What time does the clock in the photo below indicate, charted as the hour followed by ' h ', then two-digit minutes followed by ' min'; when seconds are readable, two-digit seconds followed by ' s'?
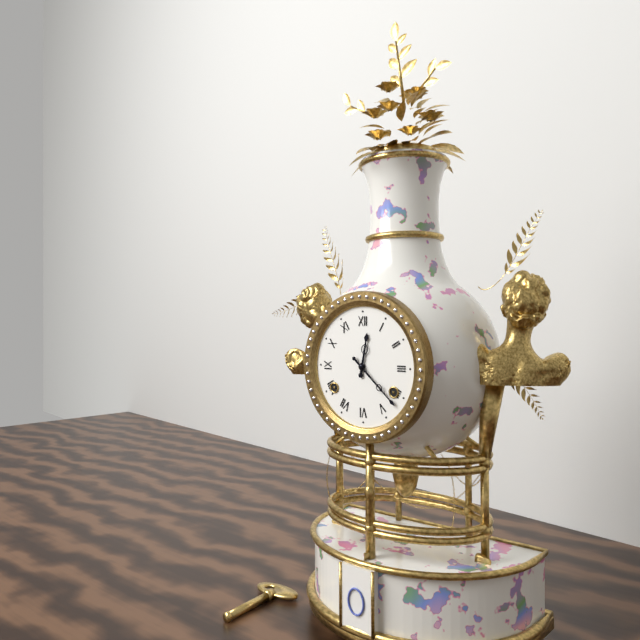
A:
12 h 22 min
